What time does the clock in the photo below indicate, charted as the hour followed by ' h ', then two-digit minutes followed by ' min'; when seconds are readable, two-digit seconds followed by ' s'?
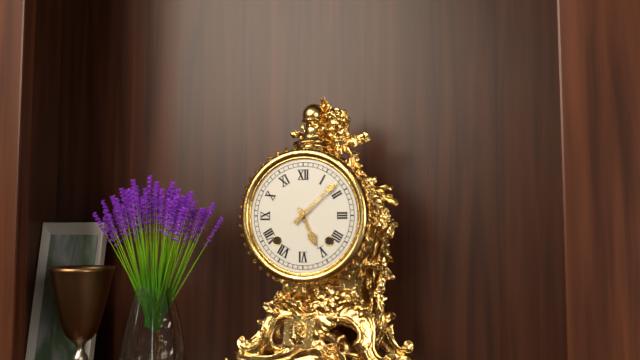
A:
5 h 08 min
